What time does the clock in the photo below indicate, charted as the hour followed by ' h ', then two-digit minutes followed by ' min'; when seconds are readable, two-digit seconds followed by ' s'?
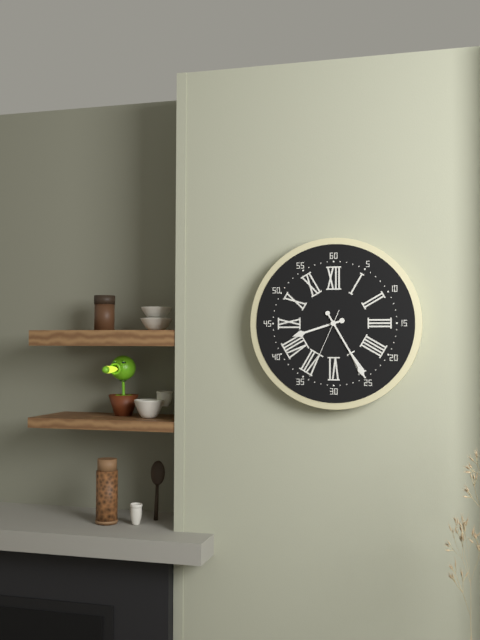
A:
8 h 25 min 34 s
